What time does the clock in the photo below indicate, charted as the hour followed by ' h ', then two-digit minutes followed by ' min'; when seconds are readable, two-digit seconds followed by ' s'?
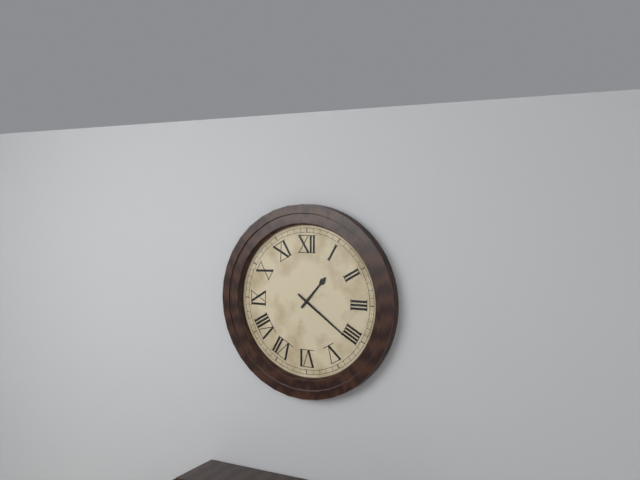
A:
1 h 21 min
